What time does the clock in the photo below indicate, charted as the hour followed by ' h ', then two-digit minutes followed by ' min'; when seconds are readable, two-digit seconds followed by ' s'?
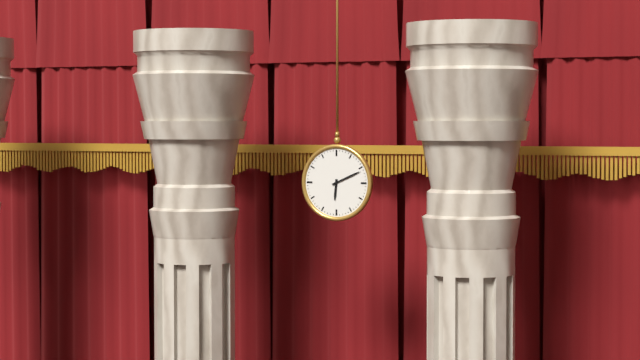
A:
6 h 11 min
